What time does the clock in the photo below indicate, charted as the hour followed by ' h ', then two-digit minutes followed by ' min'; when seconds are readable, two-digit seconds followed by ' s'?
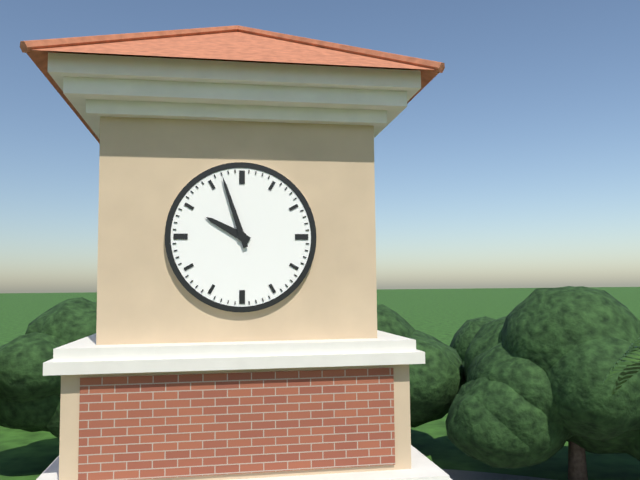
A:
9 h 57 min
